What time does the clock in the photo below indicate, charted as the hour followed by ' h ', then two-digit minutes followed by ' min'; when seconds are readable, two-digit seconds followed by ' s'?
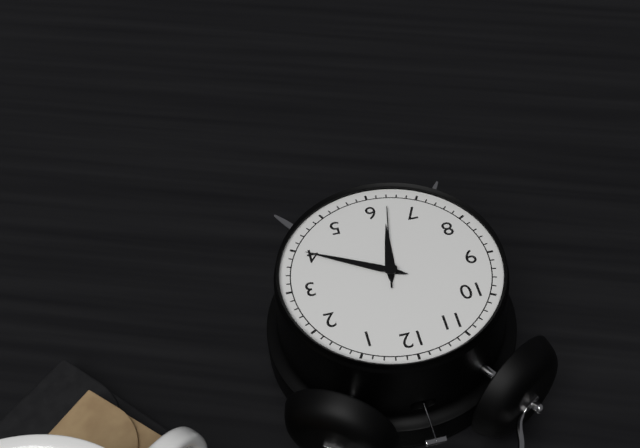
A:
6 h 20 min 32 s
